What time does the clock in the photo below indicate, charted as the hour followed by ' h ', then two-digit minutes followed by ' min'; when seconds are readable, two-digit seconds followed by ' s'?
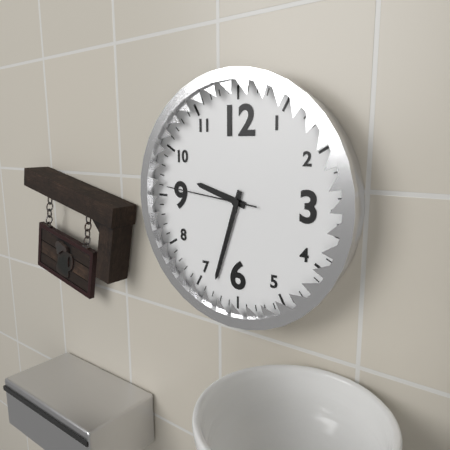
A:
9 h 33 min 46 s
